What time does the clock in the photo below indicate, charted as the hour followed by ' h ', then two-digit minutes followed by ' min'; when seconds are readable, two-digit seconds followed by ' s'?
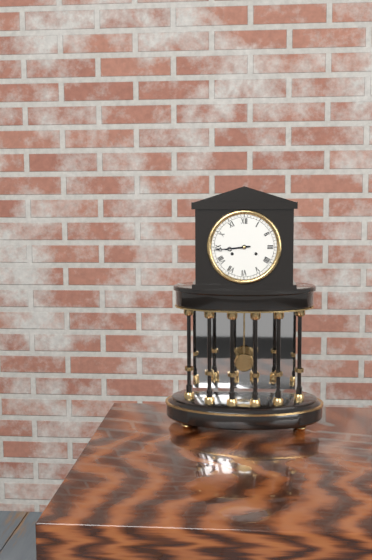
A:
8 h 44 min
